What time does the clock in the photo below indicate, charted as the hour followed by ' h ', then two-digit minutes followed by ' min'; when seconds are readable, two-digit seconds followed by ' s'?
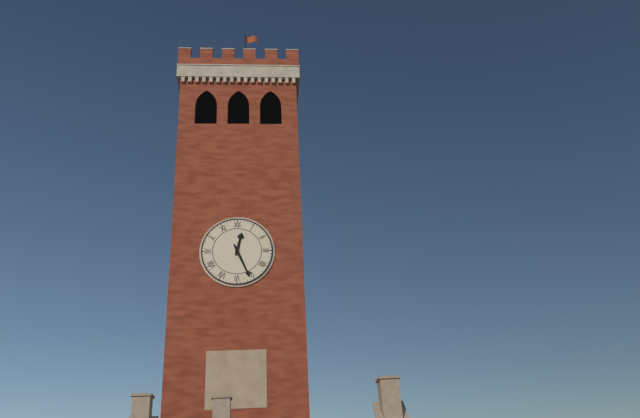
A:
12 h 26 min
